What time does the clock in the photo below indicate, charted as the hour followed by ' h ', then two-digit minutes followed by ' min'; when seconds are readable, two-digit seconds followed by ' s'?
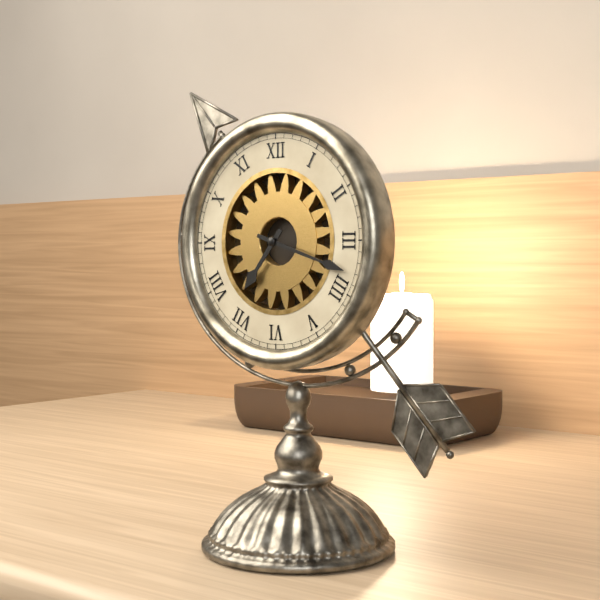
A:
7 h 18 min
